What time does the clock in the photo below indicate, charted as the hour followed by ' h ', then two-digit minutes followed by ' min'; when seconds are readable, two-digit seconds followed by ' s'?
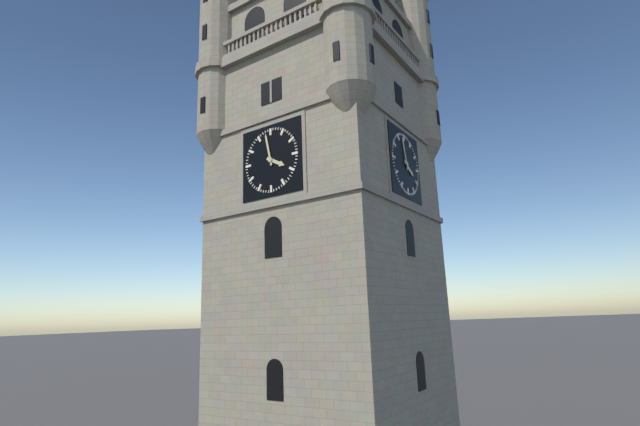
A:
3 h 58 min
